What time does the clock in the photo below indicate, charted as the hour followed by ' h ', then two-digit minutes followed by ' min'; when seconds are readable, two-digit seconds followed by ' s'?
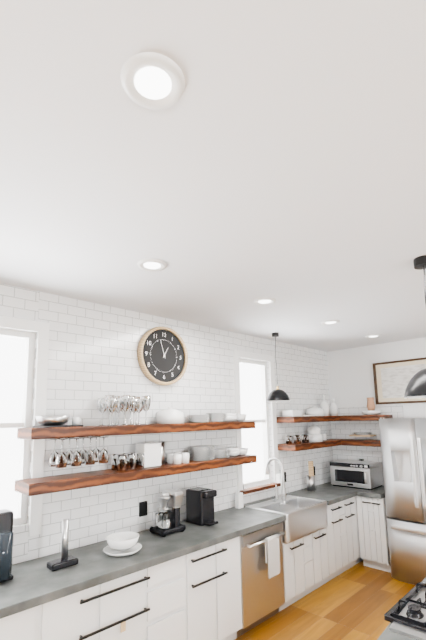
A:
12 h 57 min
